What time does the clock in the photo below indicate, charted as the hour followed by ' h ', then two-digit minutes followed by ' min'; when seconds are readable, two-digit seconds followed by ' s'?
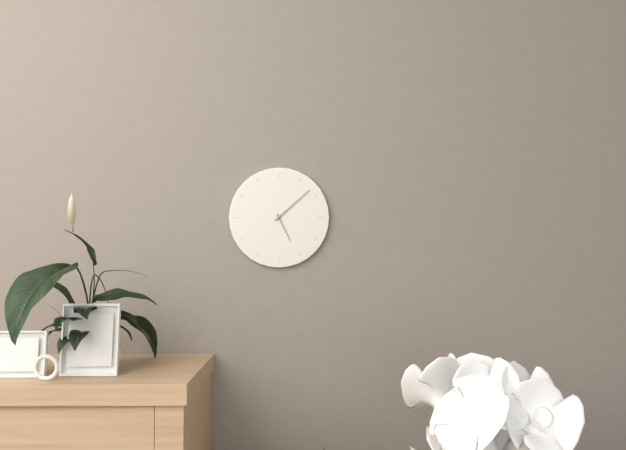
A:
5 h 08 min
